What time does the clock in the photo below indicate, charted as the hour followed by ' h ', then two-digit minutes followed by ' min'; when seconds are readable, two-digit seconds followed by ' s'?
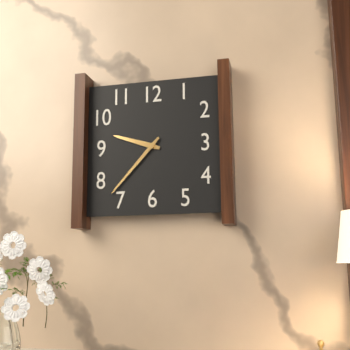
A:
9 h 37 min
